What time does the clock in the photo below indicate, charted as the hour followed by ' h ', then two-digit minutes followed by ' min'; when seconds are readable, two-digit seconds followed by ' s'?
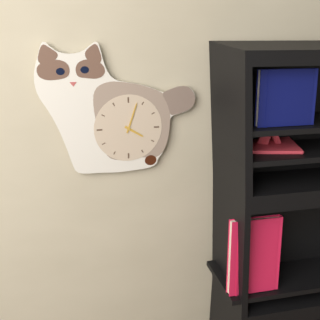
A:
4 h 03 min
